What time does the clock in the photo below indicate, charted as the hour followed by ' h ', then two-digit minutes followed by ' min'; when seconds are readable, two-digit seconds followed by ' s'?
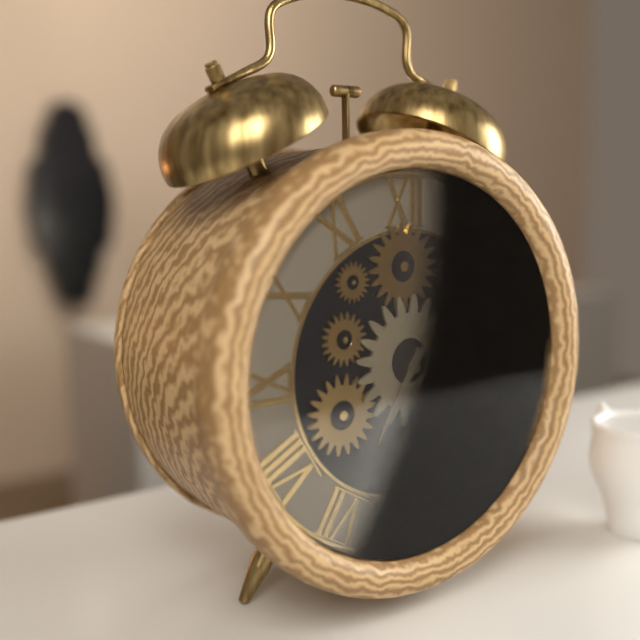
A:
7 h 06 min
